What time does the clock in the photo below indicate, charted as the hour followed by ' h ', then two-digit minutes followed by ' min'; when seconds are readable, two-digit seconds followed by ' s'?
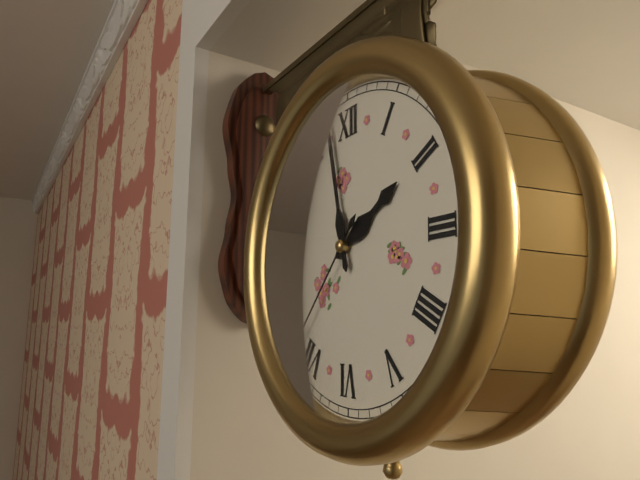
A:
1 h 58 min 37 s
